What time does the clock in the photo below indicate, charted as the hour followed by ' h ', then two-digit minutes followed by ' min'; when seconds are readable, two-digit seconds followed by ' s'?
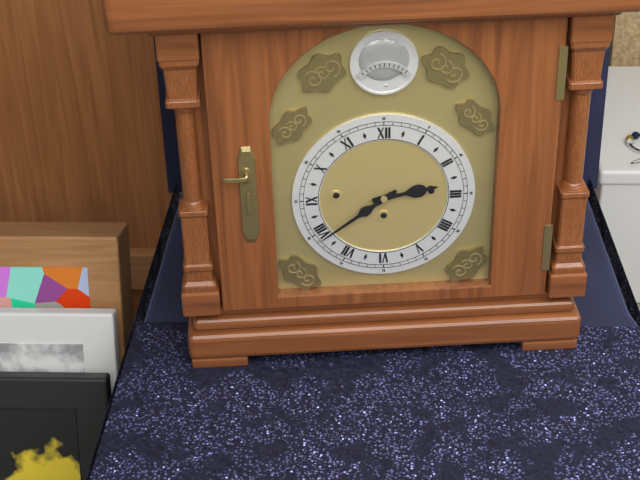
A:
2 h 39 min
